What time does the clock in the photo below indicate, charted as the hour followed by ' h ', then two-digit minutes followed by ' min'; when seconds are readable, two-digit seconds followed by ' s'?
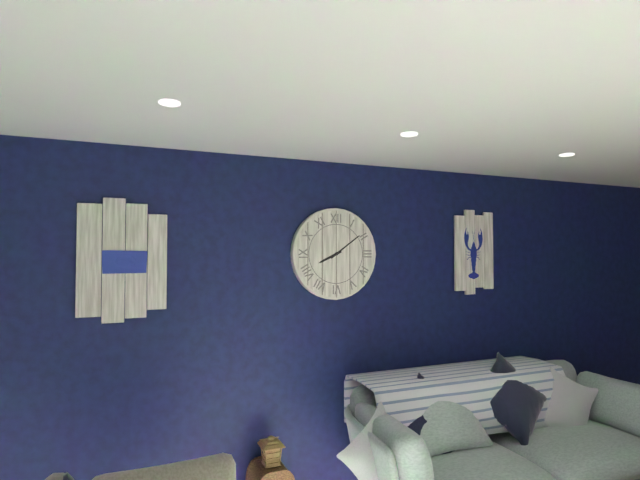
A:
8 h 09 min
